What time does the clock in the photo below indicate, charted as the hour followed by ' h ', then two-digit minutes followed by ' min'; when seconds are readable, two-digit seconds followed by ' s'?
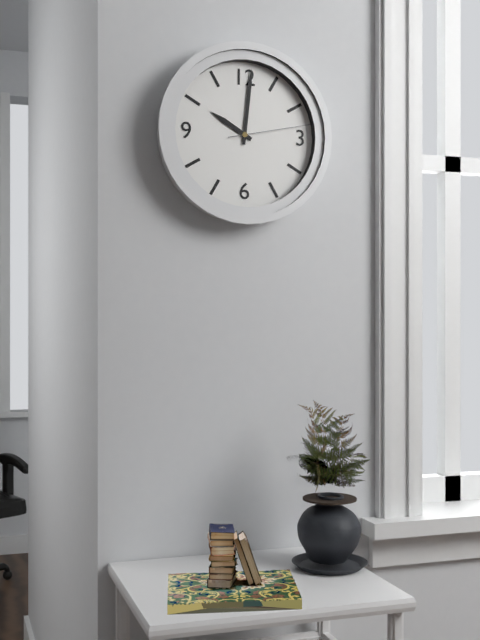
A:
10 h 01 min 13 s
